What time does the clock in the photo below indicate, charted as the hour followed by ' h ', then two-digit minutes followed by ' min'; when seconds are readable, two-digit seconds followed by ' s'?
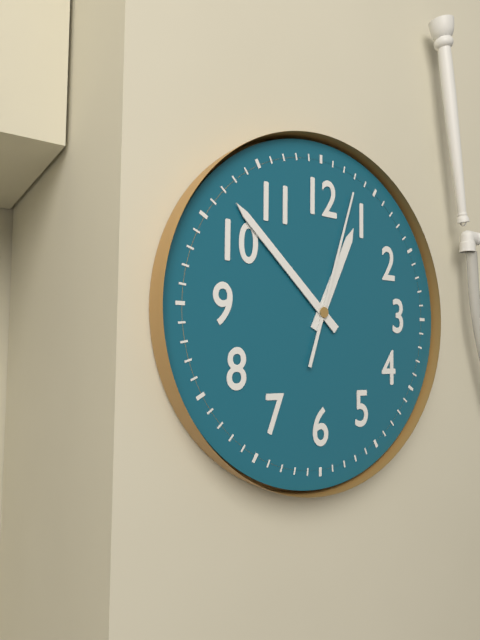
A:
12 h 52 min 03 s
